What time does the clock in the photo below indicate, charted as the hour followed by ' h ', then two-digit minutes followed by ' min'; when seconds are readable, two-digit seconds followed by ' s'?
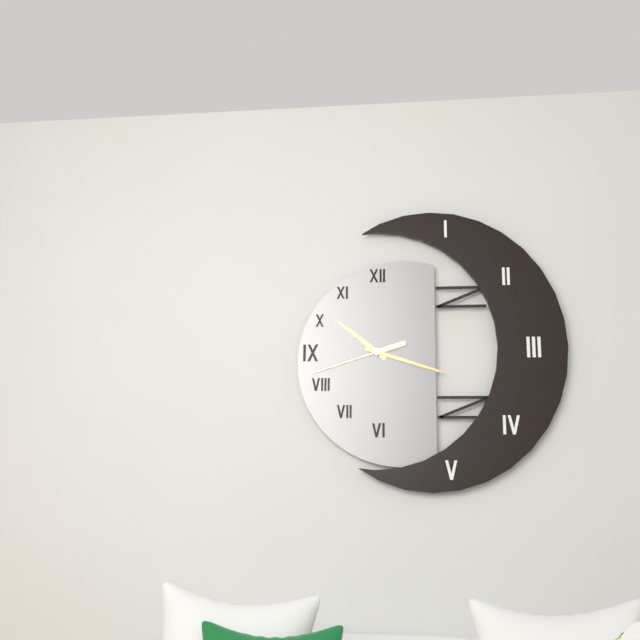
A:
10 h 18 min 42 s
